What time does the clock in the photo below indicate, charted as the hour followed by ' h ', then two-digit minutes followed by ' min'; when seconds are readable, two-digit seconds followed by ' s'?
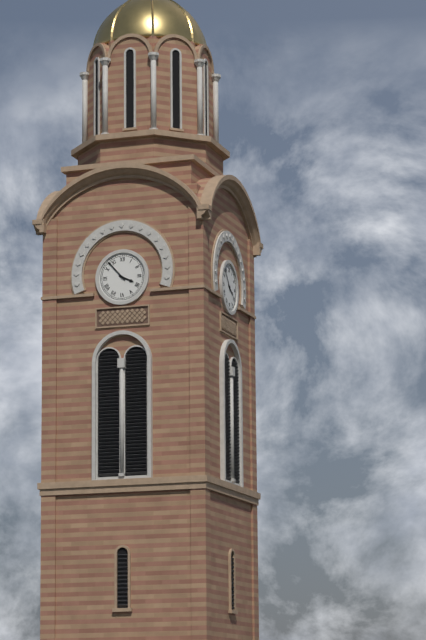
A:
3 h 53 min
